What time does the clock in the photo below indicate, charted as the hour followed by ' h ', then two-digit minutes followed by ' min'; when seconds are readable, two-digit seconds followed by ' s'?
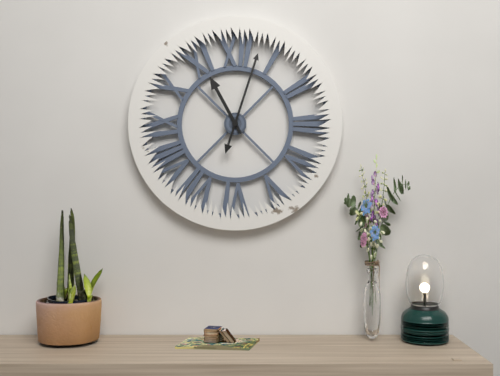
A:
11 h 03 min
